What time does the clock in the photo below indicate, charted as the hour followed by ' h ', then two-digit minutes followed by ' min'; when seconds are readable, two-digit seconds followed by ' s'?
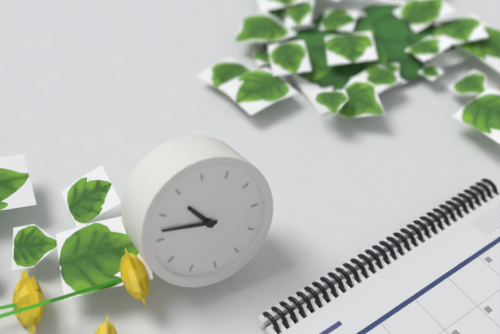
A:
10 h 47 min
